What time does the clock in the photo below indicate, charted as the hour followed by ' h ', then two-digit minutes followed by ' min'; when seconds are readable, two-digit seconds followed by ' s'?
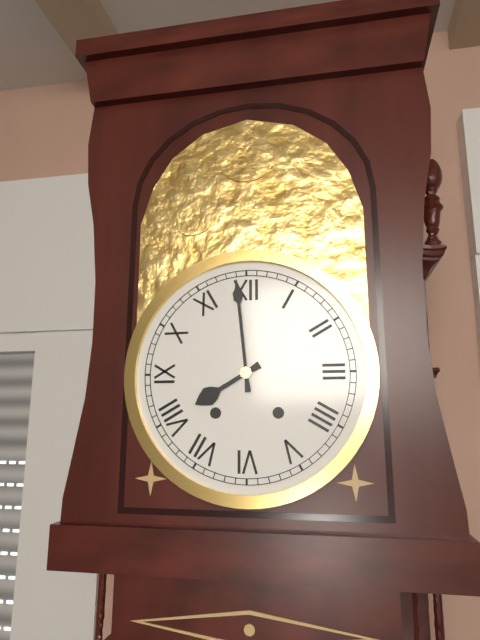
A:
7 h 59 min
